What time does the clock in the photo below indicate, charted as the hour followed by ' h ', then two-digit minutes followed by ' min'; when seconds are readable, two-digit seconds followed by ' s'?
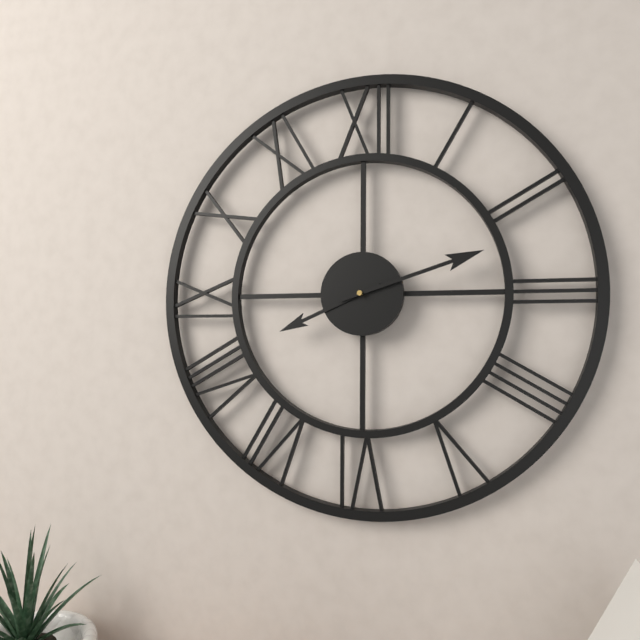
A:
8 h 12 min
